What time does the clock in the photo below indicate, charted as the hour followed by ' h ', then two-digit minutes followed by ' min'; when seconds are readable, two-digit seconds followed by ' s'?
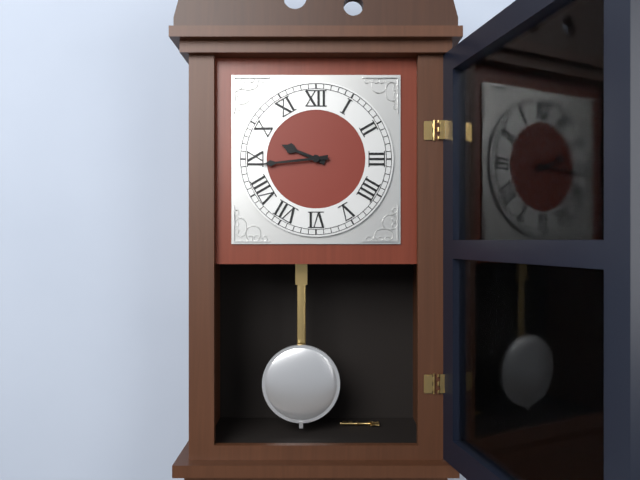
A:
9 h 44 min
